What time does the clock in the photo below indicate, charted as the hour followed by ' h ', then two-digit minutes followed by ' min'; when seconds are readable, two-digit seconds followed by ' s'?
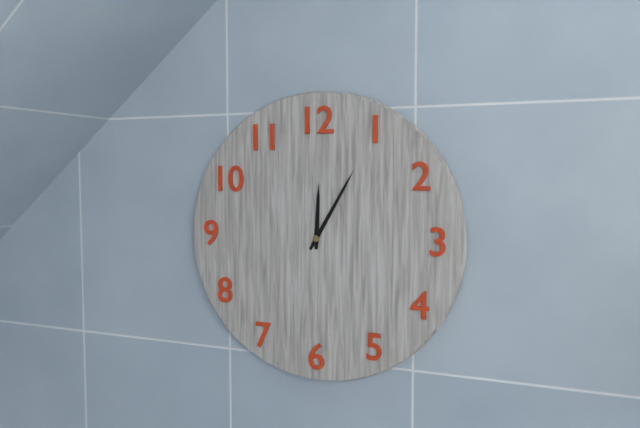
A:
12 h 05 min
